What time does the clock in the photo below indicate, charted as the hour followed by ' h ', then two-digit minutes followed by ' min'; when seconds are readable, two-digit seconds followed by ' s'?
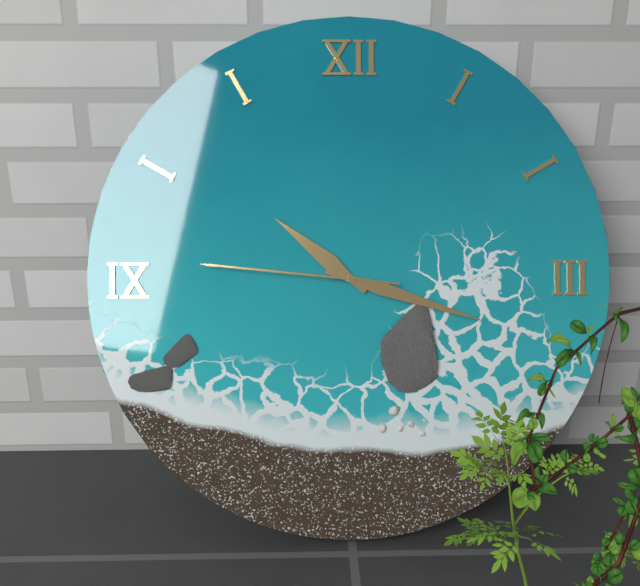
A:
10 h 18 min 46 s
